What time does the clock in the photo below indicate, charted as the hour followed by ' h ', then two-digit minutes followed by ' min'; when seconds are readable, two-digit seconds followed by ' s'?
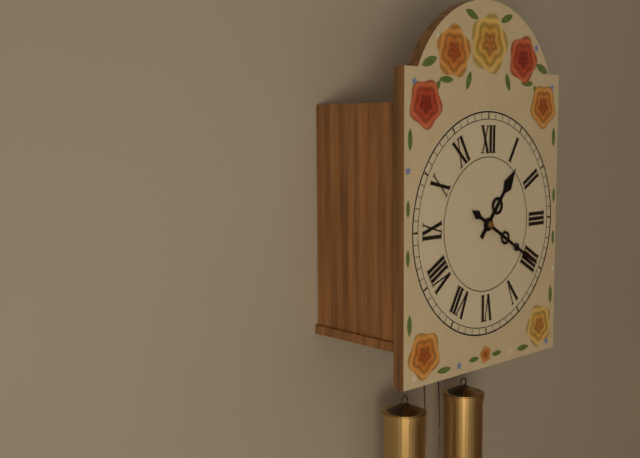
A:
1 h 20 min
